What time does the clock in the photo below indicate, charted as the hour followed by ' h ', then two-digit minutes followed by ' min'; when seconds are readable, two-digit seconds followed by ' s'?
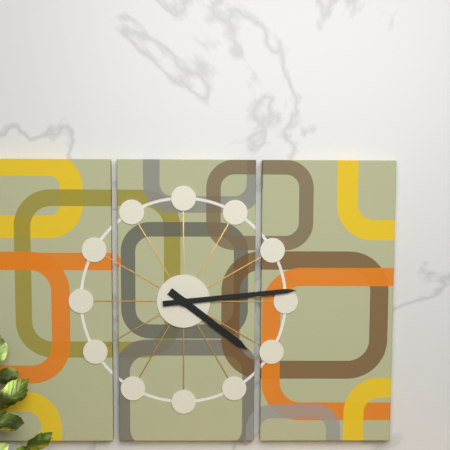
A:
4 h 14 min
